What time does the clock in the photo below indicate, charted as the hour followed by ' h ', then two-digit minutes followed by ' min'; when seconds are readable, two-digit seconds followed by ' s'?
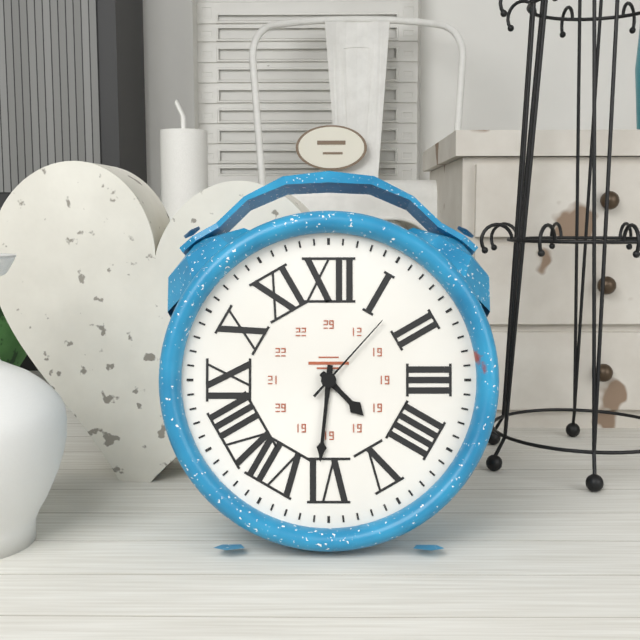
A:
4 h 31 min 07 s
